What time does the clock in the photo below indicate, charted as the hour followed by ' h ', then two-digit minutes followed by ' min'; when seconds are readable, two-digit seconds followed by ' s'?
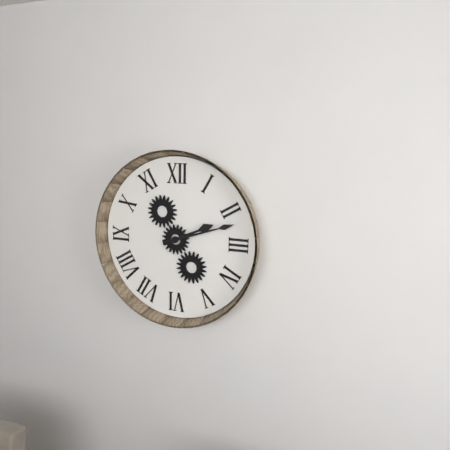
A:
2 h 12 min
